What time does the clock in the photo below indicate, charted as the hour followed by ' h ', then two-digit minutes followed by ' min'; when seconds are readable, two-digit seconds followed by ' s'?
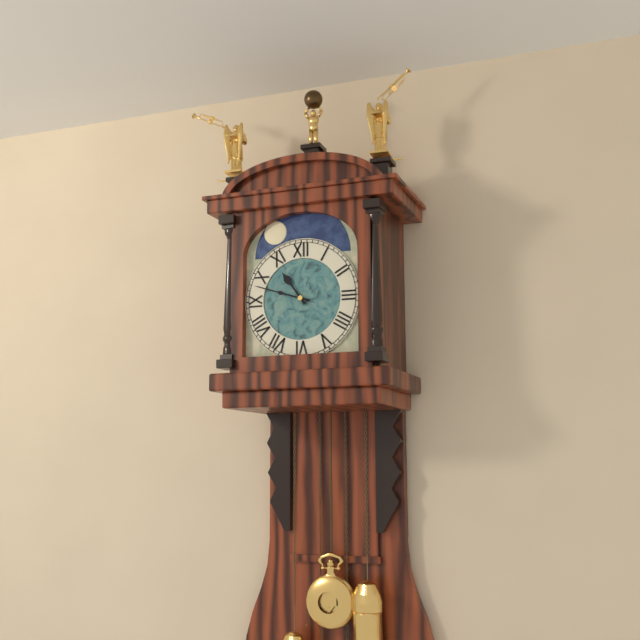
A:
10 h 48 min
